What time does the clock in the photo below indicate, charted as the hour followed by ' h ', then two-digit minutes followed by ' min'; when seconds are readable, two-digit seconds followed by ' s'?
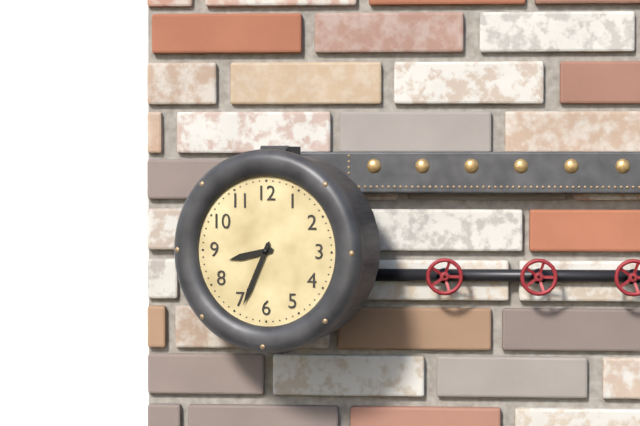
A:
8 h 34 min
